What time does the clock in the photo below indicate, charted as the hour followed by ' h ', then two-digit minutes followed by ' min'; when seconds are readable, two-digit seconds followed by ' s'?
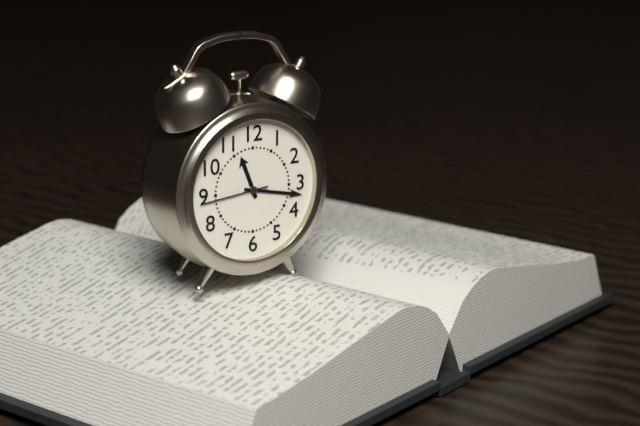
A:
11 h 17 min 44 s
